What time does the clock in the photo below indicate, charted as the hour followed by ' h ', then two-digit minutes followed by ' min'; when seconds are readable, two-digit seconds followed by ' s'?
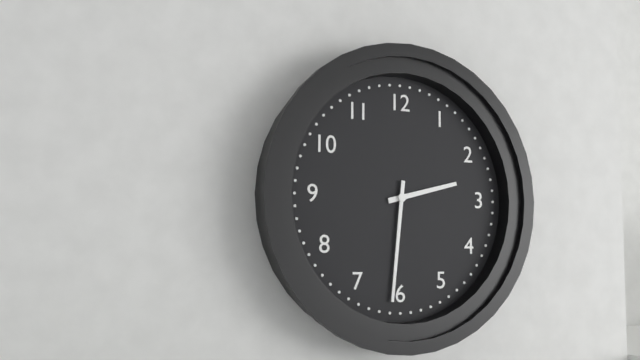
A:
2 h 31 min
